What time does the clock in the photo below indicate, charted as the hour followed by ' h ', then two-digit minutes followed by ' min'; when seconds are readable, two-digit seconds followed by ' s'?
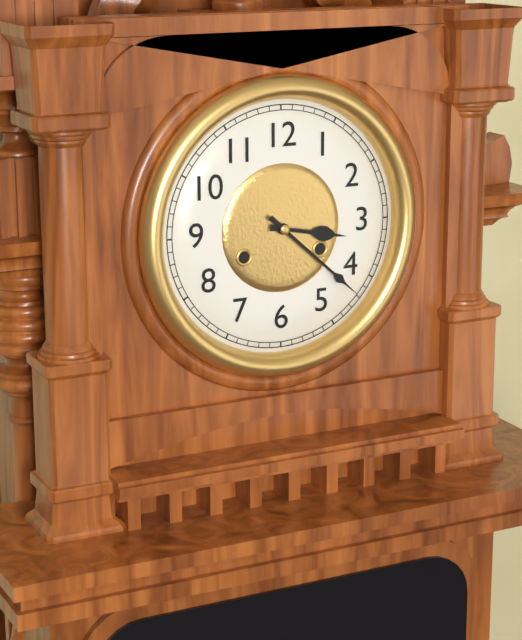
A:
3 h 22 min
